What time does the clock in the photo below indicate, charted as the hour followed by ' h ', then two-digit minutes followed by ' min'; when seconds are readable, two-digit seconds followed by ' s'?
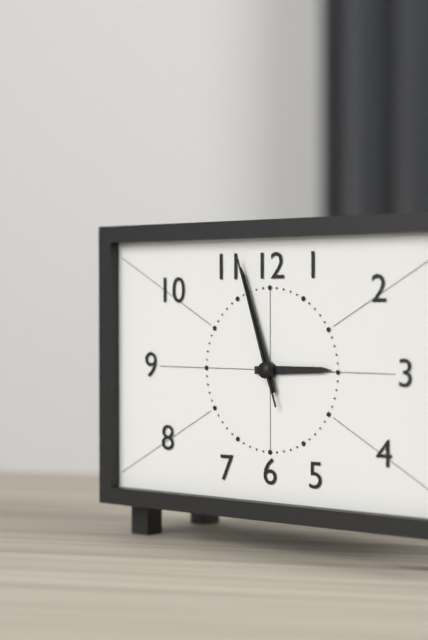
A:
2 h 57 min 57 s
